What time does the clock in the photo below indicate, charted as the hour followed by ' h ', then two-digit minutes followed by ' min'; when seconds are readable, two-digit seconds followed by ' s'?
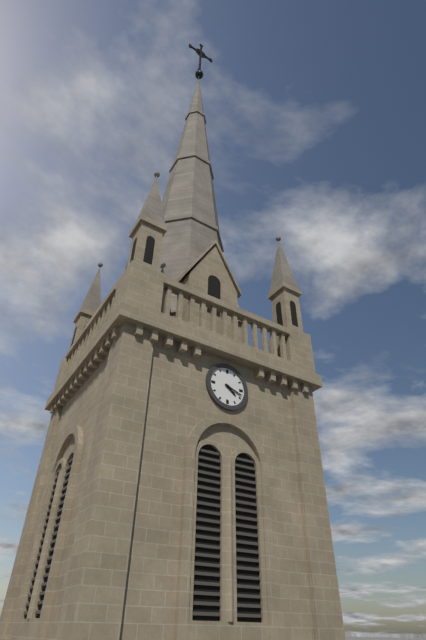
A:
4 h 18 min
